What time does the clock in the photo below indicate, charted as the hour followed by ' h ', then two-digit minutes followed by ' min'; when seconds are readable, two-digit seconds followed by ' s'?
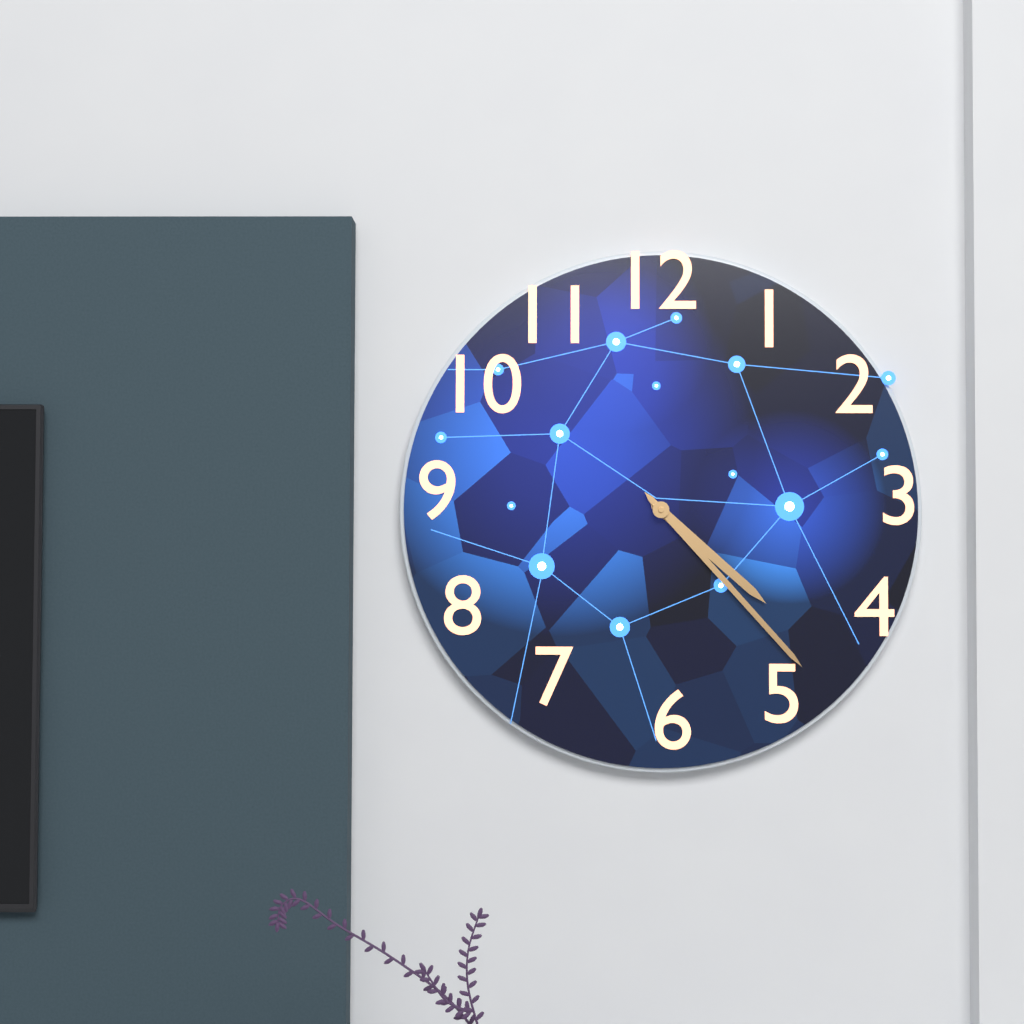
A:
4 h 23 min
